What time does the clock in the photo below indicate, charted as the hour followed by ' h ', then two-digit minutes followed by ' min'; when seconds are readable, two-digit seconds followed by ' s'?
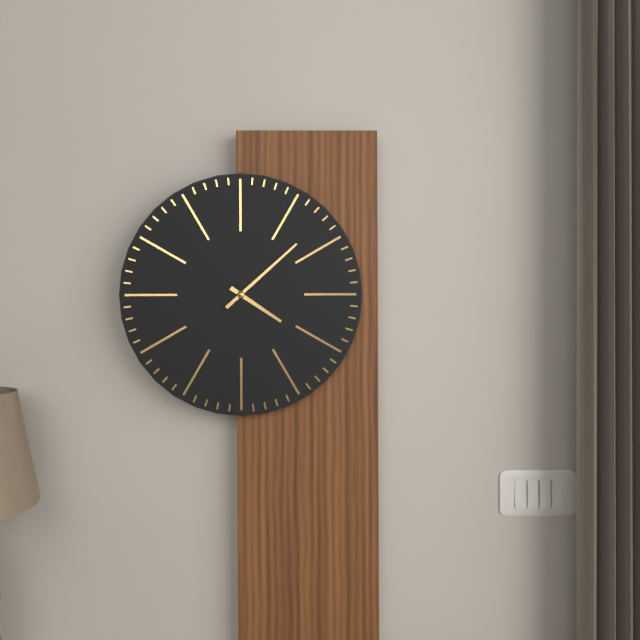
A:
4 h 08 min
